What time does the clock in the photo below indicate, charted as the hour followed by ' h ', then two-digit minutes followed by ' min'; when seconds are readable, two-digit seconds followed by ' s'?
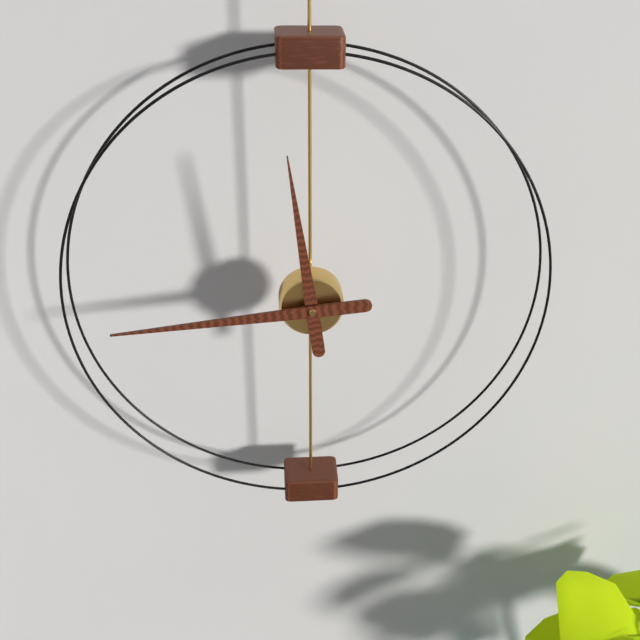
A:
11 h 44 min
